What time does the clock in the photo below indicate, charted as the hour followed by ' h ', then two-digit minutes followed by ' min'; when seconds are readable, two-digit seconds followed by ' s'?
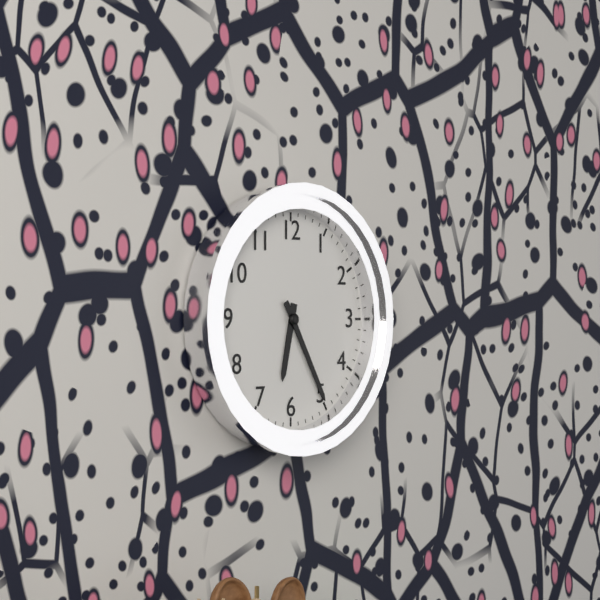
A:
6 h 25 min
